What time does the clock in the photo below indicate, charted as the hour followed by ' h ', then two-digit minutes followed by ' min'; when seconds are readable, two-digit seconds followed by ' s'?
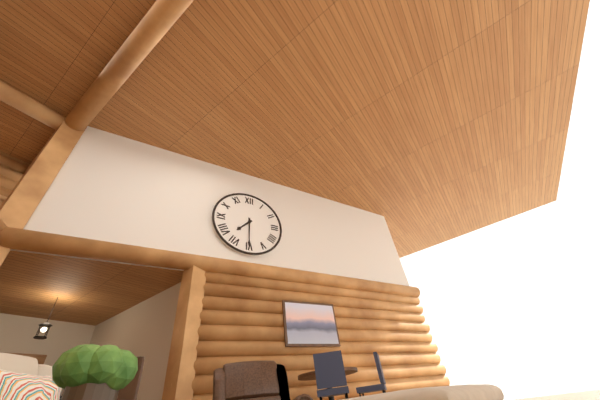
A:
7 h 30 min
